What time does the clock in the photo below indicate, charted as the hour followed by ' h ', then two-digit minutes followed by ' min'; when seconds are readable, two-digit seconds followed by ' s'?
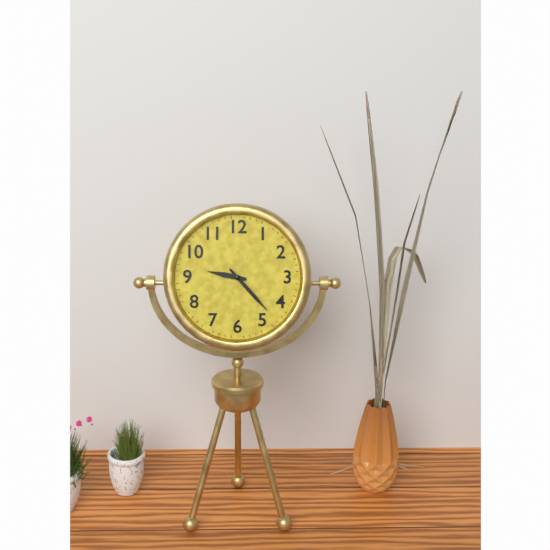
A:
9 h 23 min
